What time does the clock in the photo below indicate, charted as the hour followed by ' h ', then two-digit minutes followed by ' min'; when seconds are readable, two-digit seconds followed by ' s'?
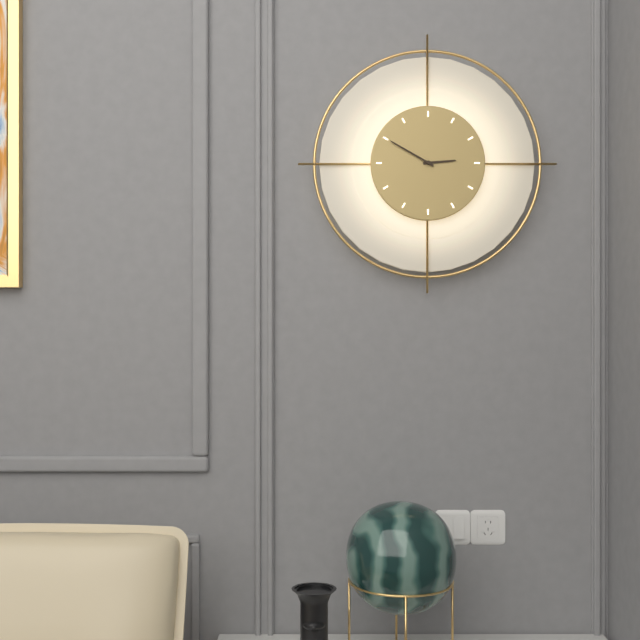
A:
2 h 50 min
